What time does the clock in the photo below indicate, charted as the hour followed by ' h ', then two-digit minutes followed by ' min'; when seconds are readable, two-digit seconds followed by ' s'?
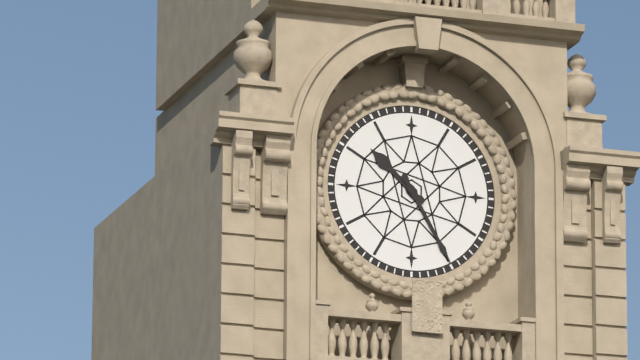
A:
10 h 25 min
